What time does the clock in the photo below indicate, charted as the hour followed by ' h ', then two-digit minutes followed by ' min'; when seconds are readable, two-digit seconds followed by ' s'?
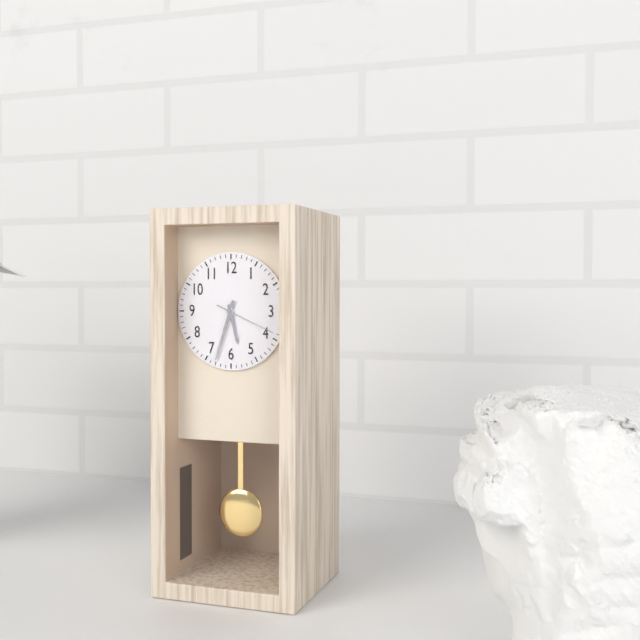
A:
5 h 33 min 19 s
